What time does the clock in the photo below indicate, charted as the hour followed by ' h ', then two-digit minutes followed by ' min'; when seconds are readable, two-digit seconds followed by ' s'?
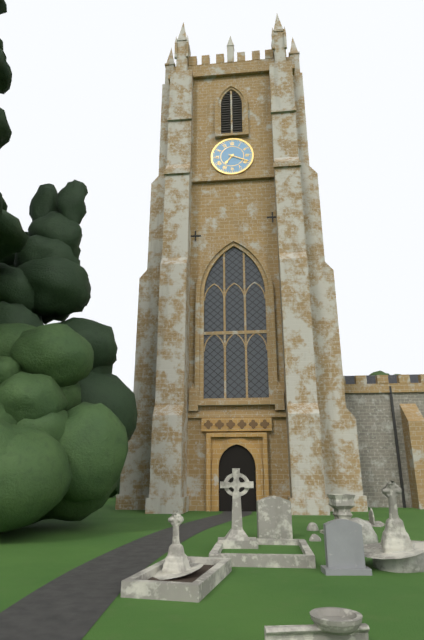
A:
7 h 19 min
